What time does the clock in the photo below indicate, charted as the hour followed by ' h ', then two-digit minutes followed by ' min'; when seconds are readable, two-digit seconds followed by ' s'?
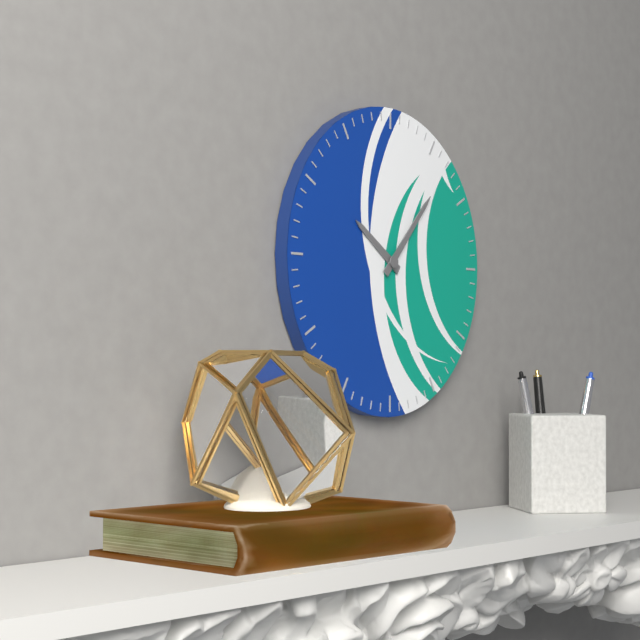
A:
10 h 07 min
